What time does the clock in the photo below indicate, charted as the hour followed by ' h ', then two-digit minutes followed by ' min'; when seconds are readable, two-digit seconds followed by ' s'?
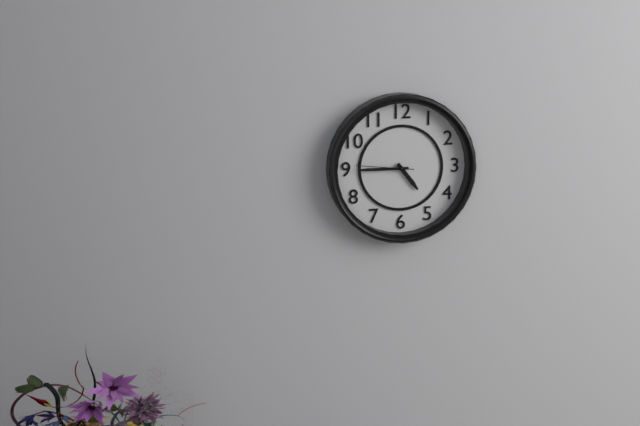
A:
4 h 45 min 46 s
